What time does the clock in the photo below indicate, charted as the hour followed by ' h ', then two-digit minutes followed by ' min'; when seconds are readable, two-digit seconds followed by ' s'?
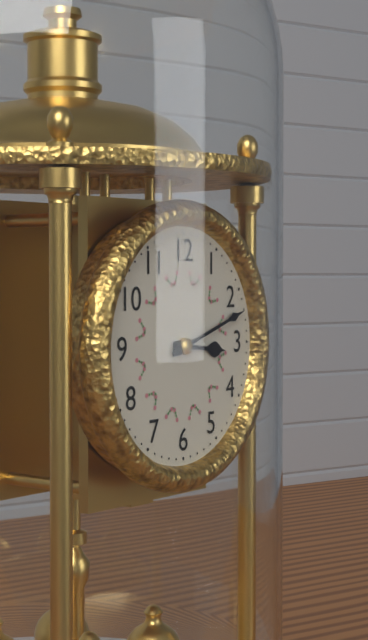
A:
3 h 12 min
